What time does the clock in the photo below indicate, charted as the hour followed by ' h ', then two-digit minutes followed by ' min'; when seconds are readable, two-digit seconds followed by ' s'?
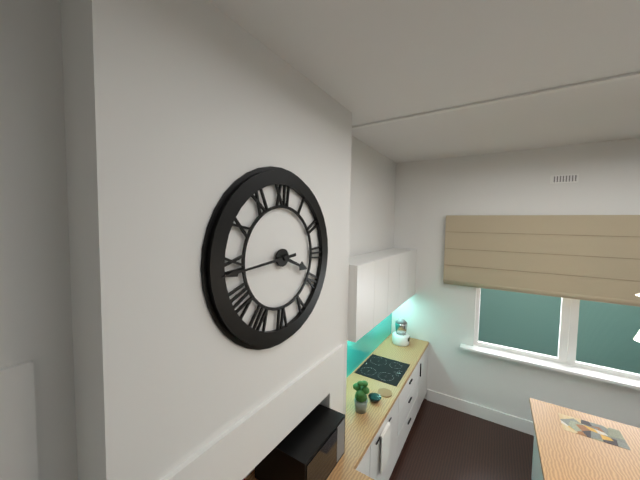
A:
3 h 44 min
